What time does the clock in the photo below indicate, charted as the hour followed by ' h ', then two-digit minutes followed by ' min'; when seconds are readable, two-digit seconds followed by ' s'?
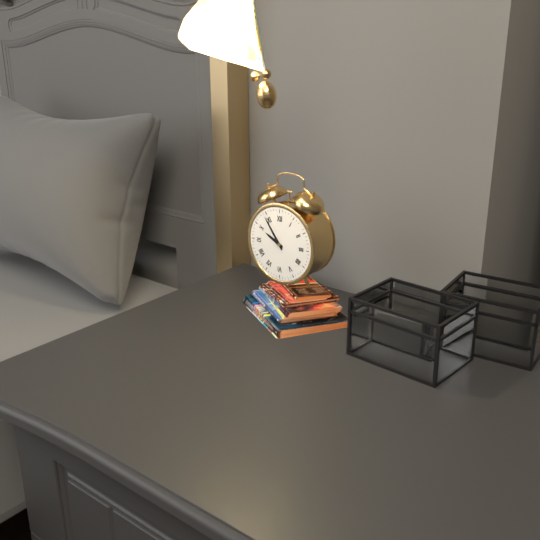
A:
9 h 54 min
